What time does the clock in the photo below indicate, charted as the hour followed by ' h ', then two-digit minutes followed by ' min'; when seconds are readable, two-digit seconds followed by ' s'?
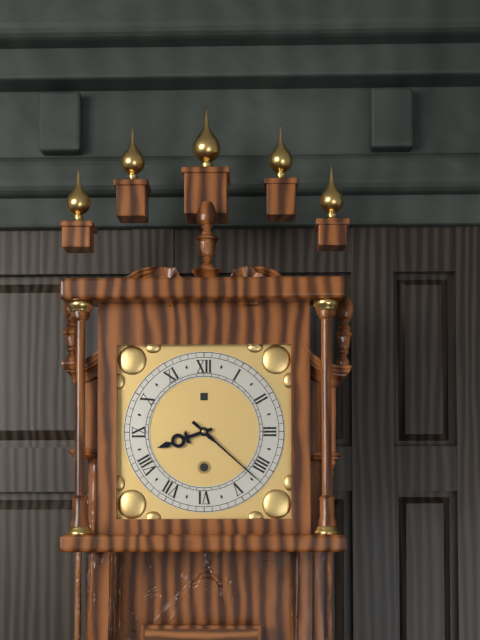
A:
8 h 22 min
